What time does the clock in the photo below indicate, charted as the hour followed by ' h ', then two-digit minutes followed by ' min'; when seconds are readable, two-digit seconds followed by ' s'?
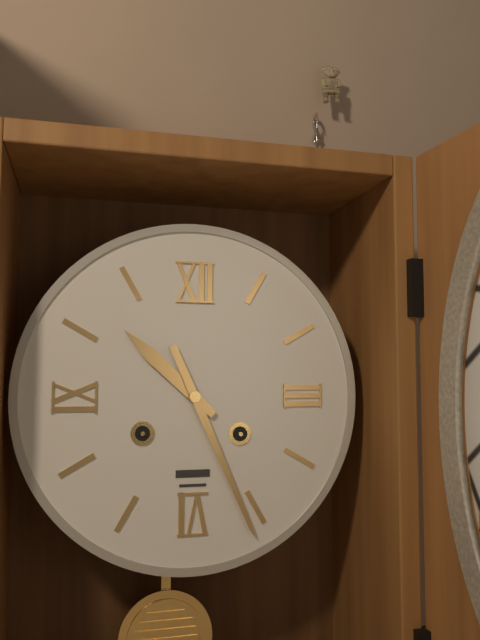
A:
10 h 26 min
